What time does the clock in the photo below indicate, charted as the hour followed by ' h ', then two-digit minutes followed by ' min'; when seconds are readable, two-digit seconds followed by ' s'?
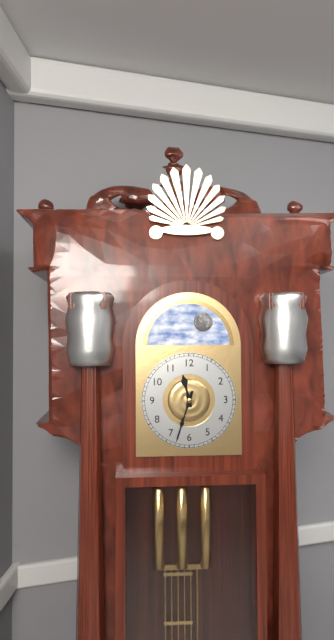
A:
11 h 33 min
